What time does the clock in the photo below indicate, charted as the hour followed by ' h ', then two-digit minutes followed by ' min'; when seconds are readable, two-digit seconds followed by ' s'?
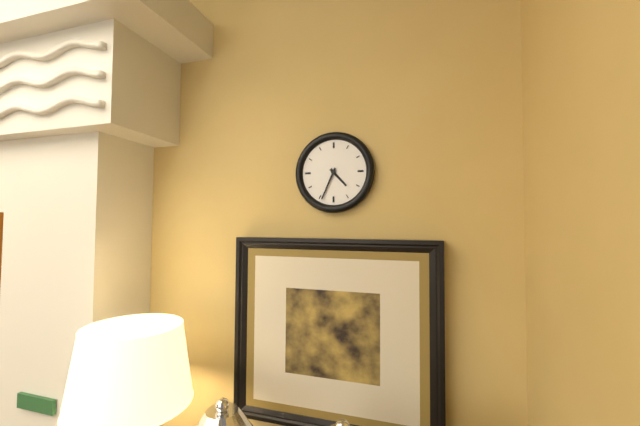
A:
4 h 34 min
